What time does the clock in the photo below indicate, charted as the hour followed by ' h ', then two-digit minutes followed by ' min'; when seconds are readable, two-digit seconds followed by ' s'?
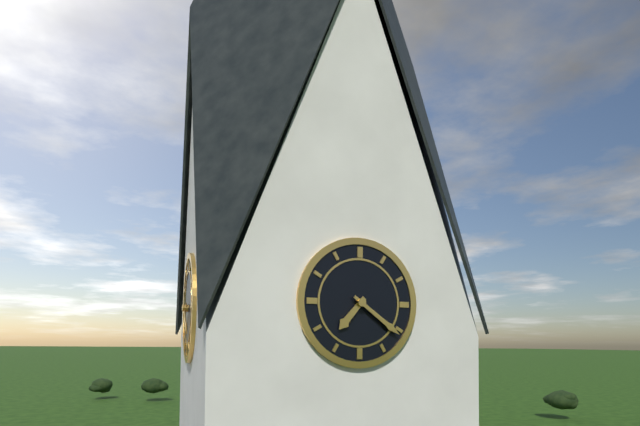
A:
7 h 21 min
